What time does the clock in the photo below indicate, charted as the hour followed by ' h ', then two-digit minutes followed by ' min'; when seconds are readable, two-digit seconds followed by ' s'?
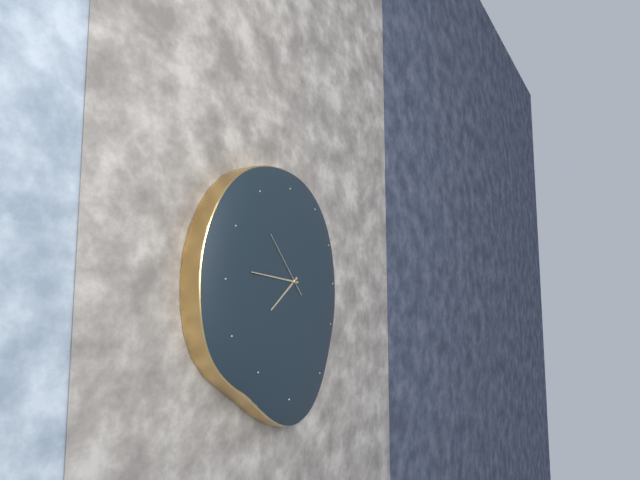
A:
7 h 46 min 53 s
